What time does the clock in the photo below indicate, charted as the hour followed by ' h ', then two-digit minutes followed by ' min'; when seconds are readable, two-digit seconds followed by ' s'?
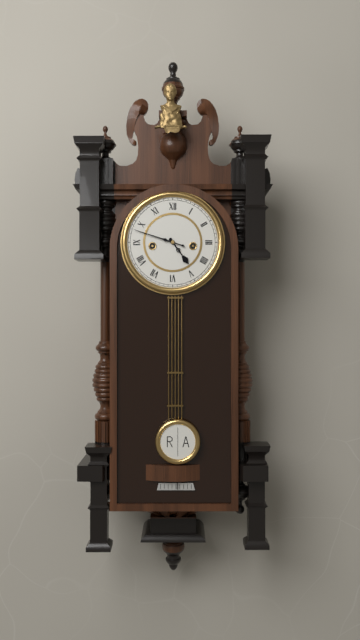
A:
4 h 48 min
